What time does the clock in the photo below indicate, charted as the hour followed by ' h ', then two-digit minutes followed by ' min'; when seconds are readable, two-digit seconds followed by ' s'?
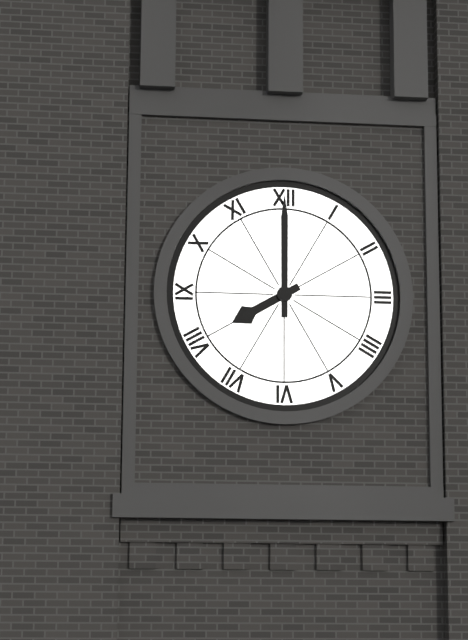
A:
8 h 00 min
